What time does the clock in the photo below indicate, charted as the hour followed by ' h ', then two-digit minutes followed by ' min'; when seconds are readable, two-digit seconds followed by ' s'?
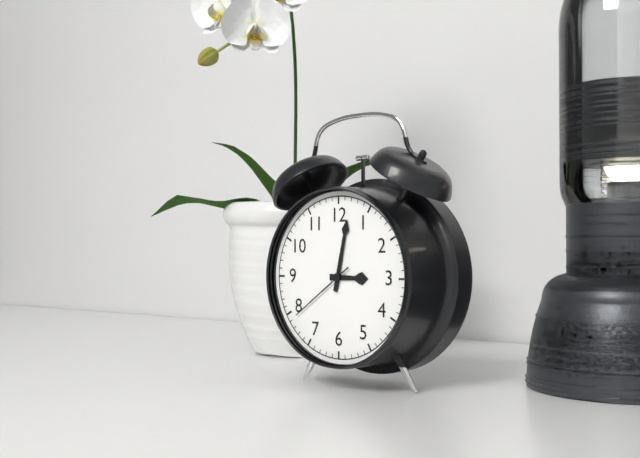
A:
3 h 02 min 39 s
